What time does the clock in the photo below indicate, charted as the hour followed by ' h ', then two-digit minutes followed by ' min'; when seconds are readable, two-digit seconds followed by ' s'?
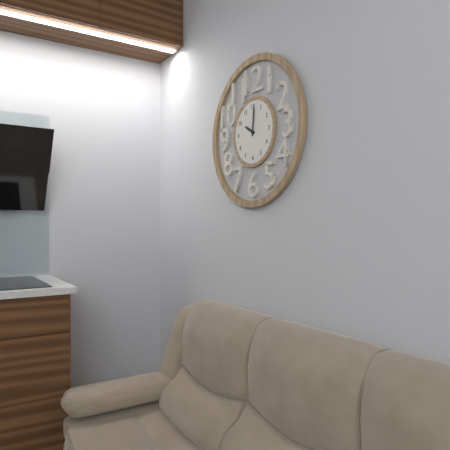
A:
10 h 01 min
